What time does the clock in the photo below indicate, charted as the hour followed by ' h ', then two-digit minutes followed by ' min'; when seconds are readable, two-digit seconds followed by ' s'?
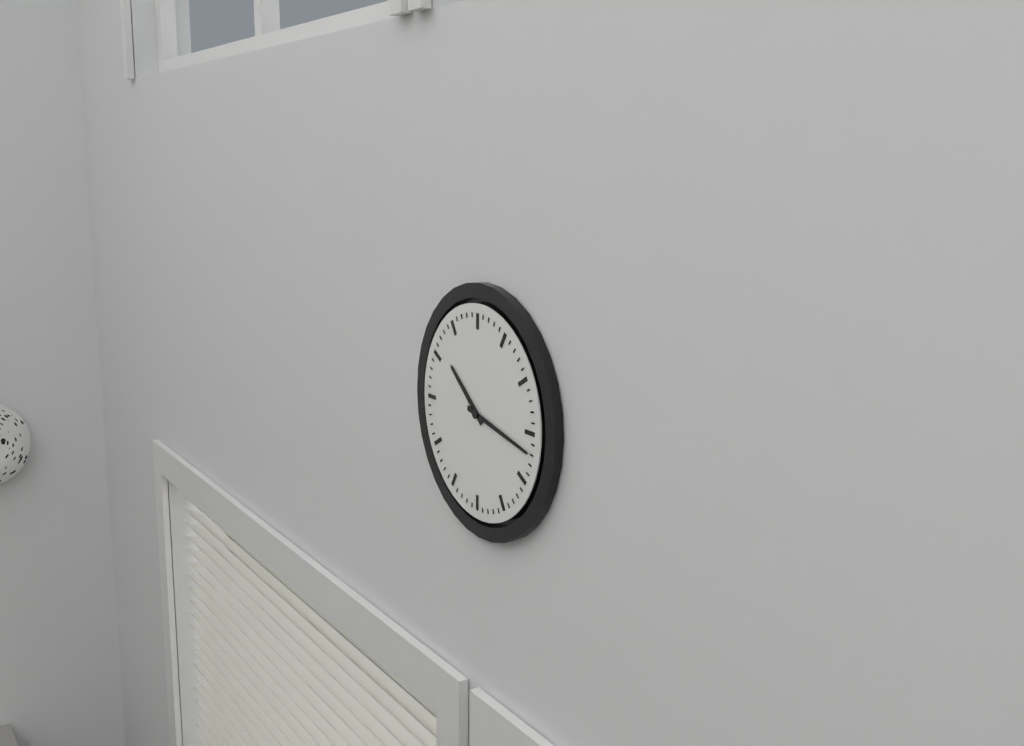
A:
10 h 17 min
